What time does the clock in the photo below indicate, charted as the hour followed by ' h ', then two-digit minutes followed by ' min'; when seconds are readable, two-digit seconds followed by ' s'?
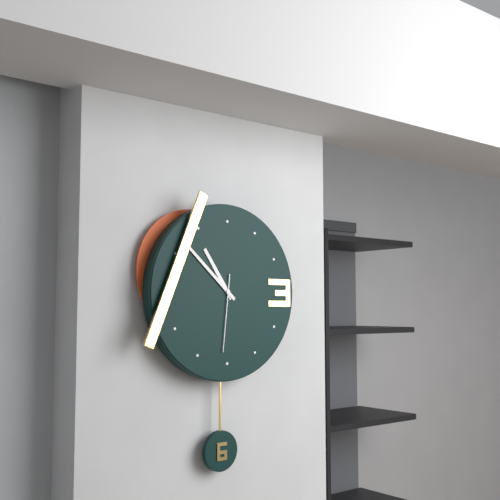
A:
10 h 52 min 31 s
